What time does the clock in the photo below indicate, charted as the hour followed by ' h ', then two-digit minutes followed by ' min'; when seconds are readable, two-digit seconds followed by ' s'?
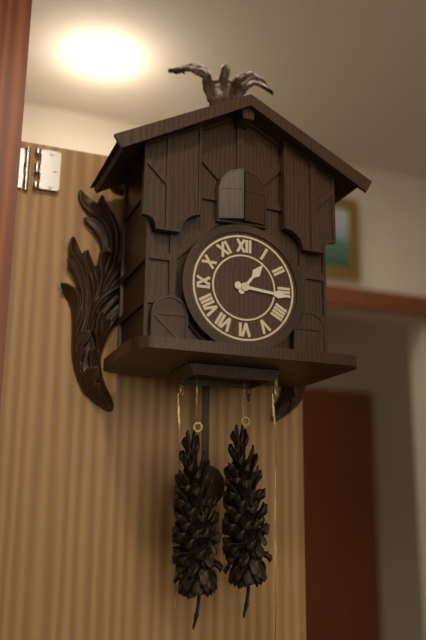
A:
1 h 16 min
